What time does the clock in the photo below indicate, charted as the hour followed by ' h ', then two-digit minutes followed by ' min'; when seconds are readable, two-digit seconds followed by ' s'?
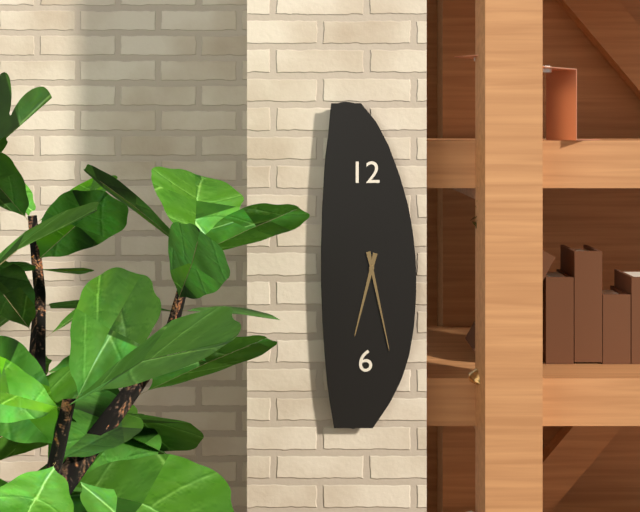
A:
6 h 28 min
